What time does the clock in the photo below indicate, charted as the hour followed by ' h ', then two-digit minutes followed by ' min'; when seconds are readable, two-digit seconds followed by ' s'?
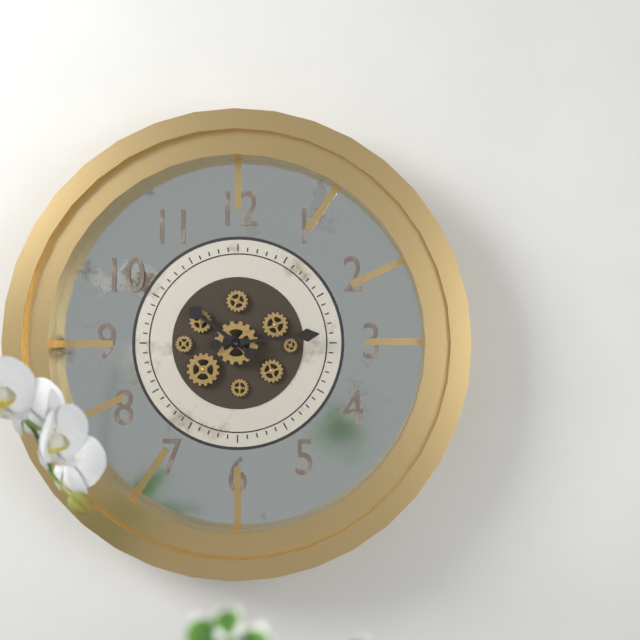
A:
10 h 14 min
